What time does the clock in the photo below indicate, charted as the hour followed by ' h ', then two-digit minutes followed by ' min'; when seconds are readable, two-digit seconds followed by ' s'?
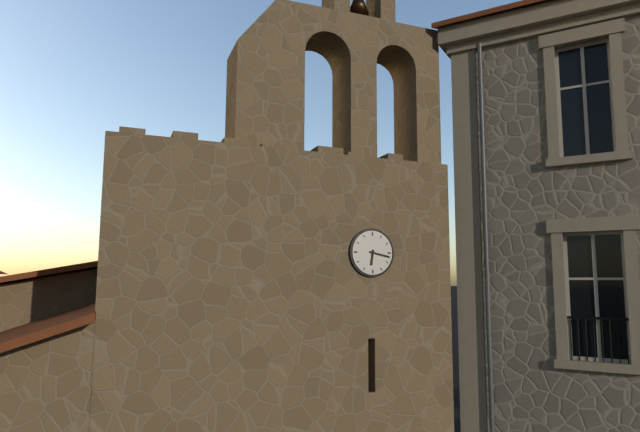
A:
6 h 17 min
